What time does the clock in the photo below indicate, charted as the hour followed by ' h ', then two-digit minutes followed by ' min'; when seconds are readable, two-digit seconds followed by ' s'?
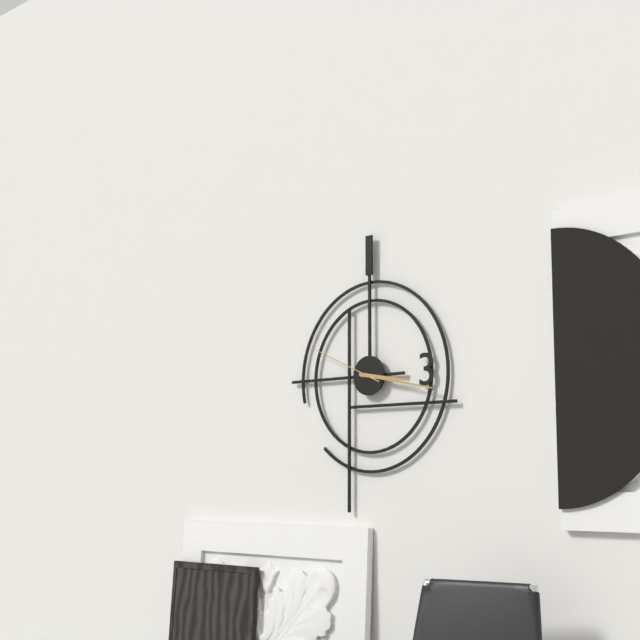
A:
3 h 17 min 49 s
